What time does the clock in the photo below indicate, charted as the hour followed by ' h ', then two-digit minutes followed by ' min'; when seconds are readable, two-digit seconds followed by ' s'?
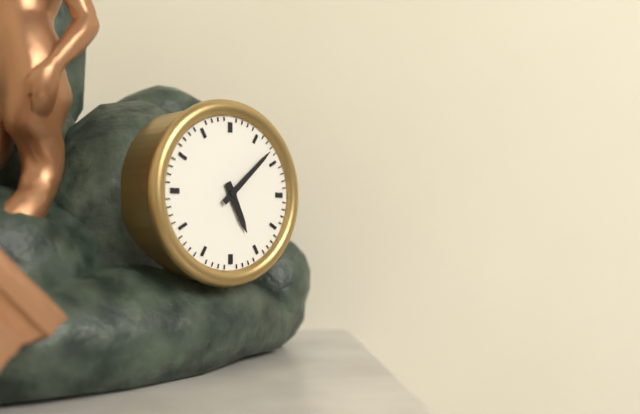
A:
5 h 08 min
